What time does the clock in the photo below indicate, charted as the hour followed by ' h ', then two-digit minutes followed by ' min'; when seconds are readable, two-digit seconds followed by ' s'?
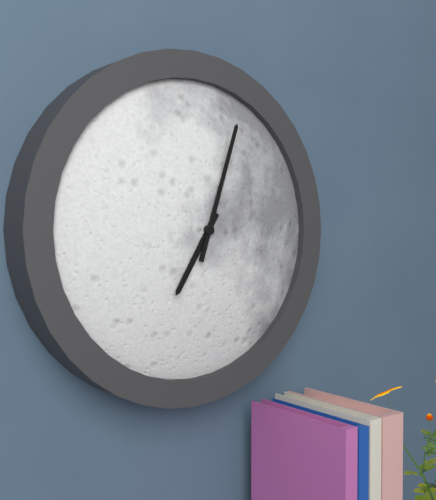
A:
7 h 03 min
